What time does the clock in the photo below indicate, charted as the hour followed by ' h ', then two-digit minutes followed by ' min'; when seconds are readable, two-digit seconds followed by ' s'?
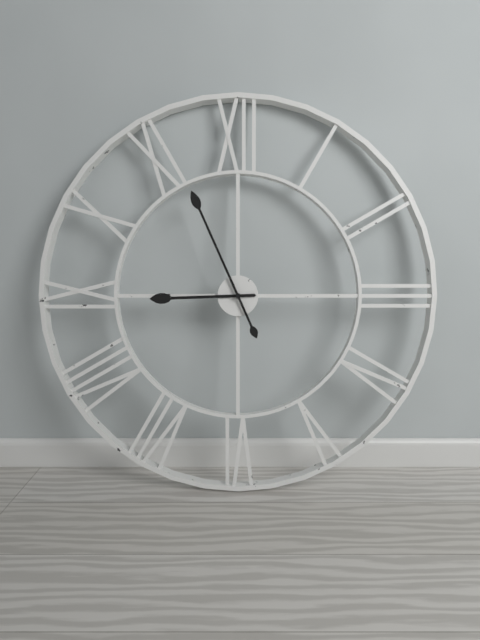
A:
8 h 56 min
